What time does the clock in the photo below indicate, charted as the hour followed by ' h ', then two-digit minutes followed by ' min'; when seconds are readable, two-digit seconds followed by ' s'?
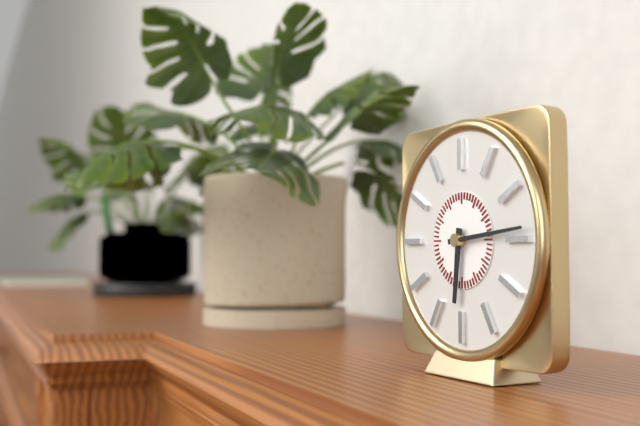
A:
6 h 14 min
